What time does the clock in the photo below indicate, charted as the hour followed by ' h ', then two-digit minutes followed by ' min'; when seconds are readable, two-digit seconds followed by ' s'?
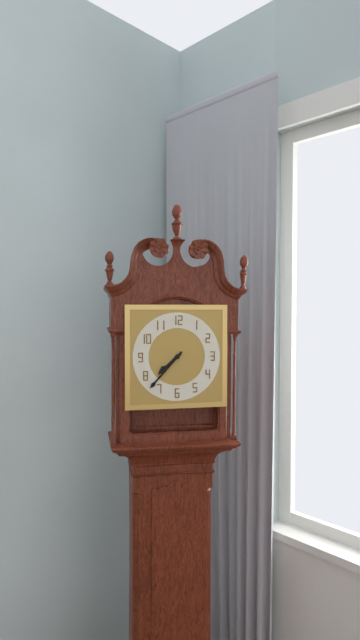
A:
7 h 37 min
